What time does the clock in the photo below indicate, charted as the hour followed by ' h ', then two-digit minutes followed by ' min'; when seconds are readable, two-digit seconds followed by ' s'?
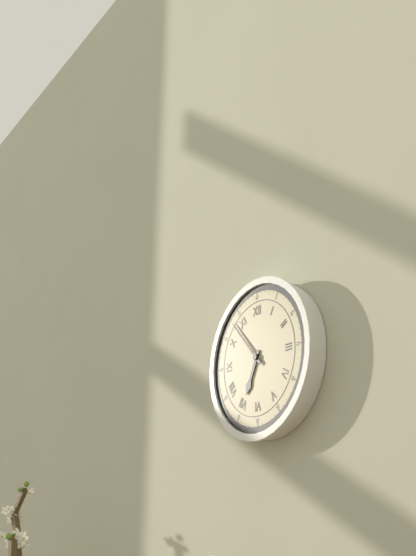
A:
6 h 53 min
